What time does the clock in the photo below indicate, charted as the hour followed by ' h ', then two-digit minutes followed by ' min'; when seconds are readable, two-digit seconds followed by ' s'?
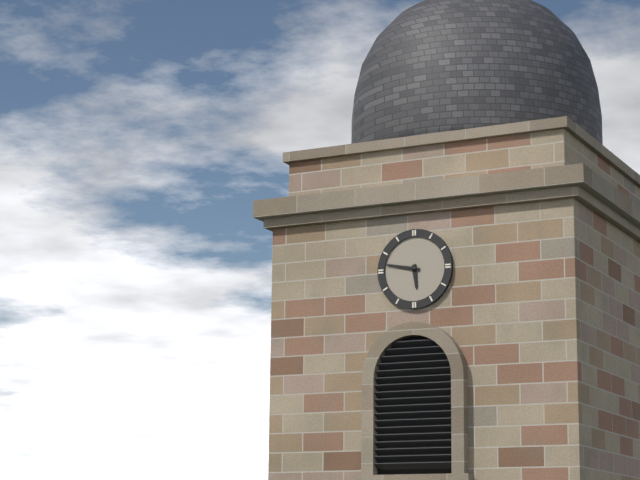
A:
5 h 47 min
